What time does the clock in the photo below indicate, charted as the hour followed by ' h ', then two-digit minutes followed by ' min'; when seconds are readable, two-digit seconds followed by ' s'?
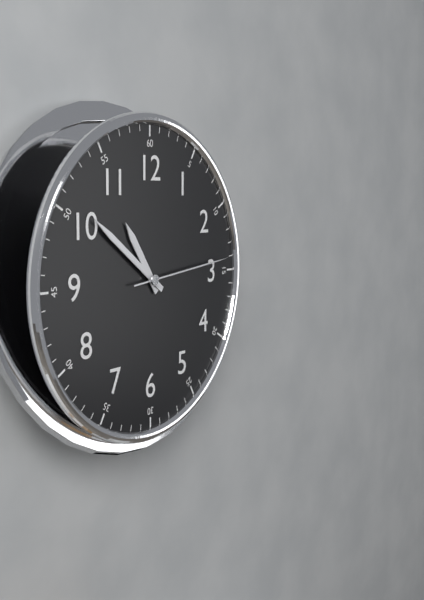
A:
10 h 51 min 14 s
